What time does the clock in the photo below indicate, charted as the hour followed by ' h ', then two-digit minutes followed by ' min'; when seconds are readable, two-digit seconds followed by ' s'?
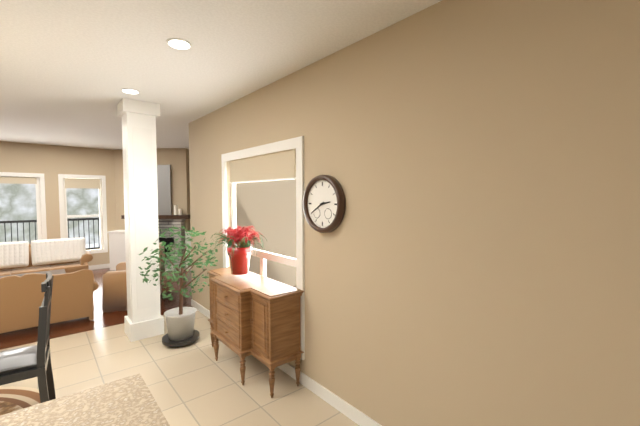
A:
2 h 40 min
